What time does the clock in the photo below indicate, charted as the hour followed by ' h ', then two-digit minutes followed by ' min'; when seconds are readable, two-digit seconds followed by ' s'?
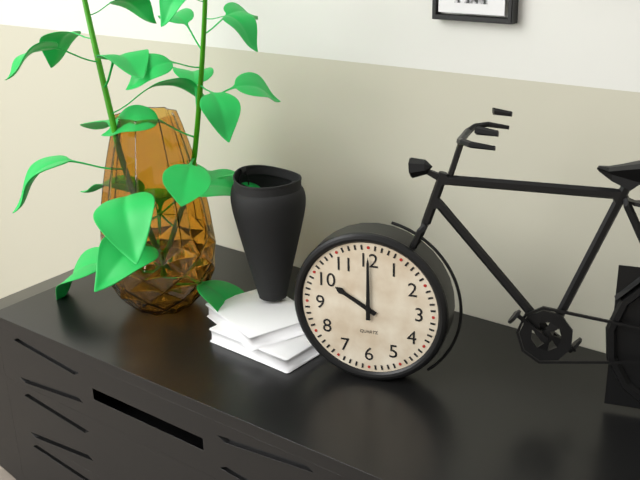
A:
10 h 00 min
